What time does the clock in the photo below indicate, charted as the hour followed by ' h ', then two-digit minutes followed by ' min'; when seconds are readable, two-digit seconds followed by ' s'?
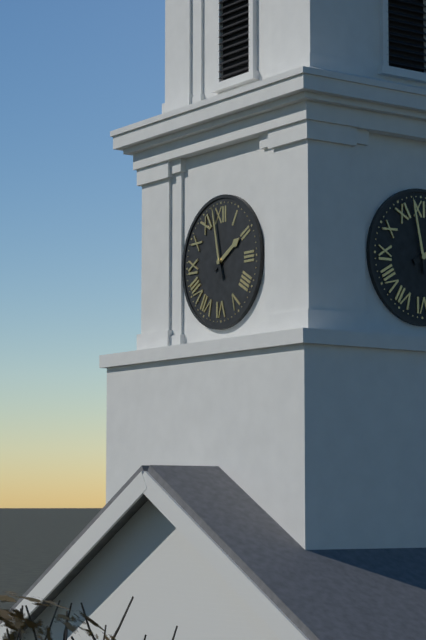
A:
1 h 58 min
